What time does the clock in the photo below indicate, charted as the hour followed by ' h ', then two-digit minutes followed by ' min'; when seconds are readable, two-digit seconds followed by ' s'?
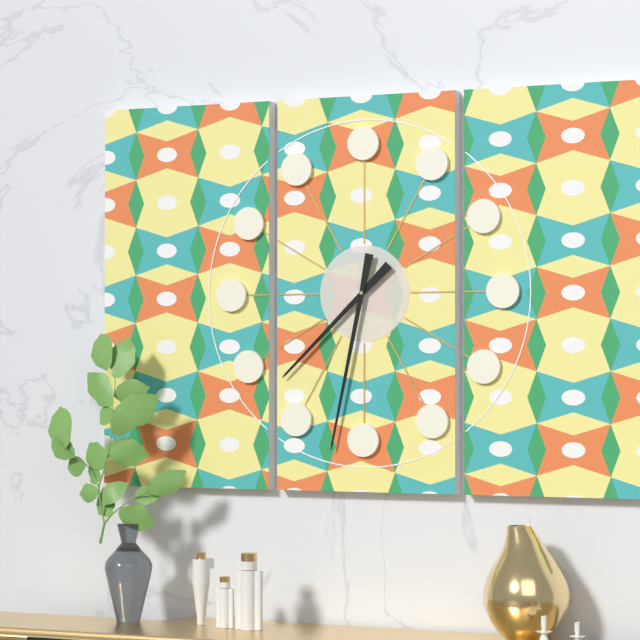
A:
7 h 32 min
